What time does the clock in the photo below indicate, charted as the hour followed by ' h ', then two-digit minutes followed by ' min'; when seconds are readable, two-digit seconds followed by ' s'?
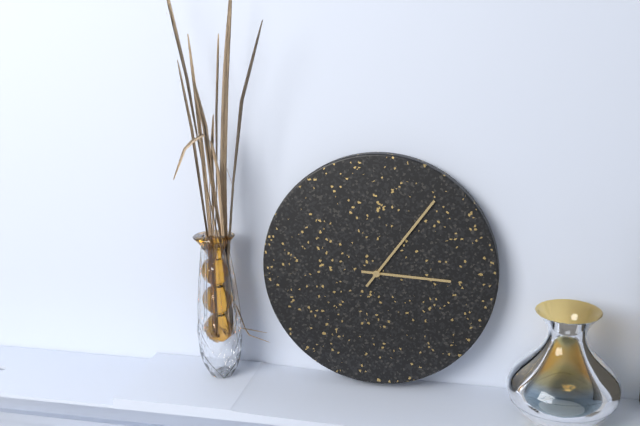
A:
3 h 06 min
